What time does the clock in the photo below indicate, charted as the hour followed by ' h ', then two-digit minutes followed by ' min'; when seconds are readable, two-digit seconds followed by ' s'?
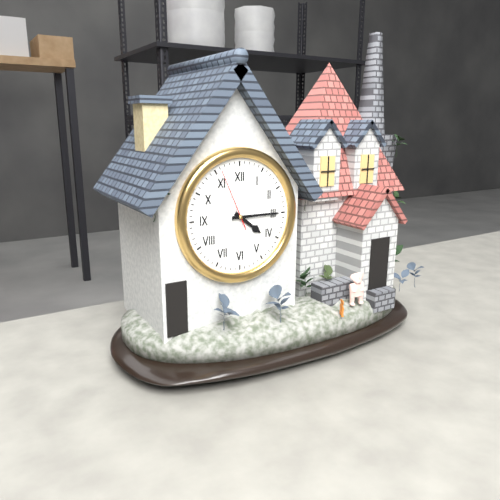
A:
4 h 15 min 56 s
